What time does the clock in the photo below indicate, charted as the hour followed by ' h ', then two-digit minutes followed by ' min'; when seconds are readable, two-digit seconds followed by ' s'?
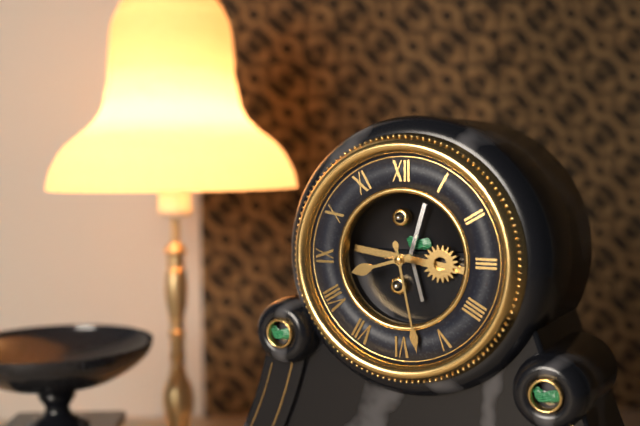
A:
8 h 28 min
